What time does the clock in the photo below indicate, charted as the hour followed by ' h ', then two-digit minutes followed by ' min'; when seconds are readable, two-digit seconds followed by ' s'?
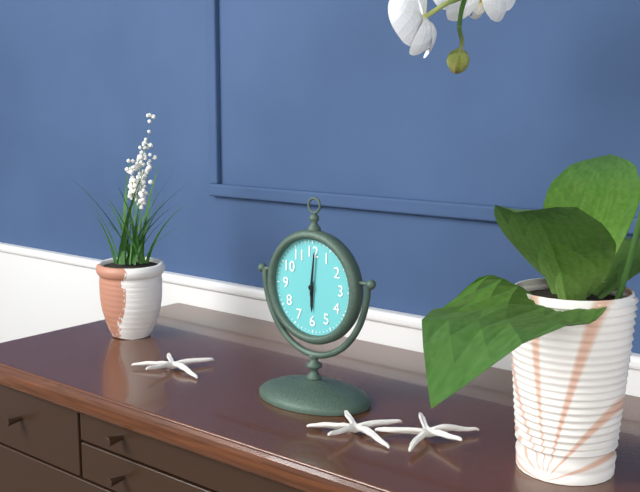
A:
6 h 01 min
